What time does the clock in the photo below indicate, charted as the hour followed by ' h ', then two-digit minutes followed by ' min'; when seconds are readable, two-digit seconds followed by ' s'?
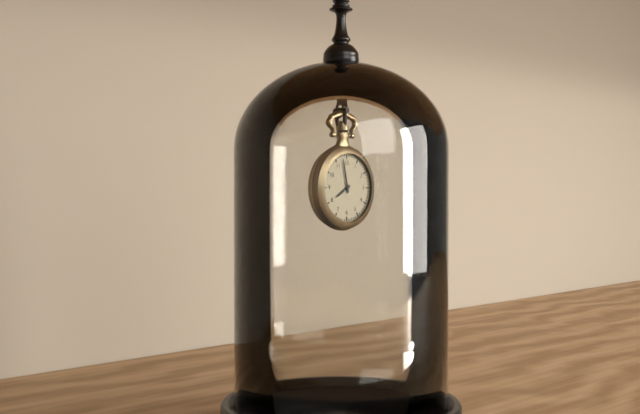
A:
7 h 58 min
